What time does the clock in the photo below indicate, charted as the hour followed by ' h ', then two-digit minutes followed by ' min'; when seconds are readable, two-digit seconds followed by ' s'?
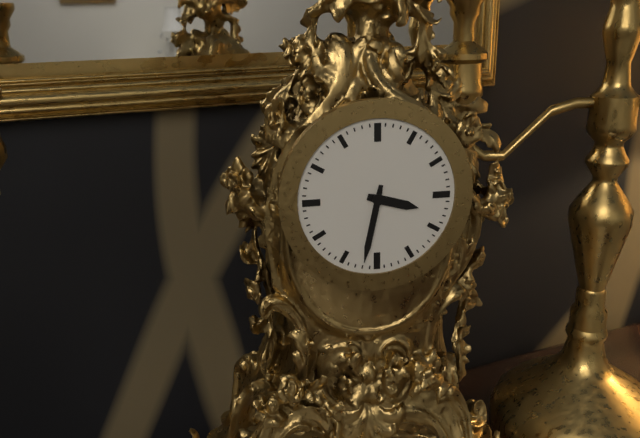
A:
3 h 32 min
